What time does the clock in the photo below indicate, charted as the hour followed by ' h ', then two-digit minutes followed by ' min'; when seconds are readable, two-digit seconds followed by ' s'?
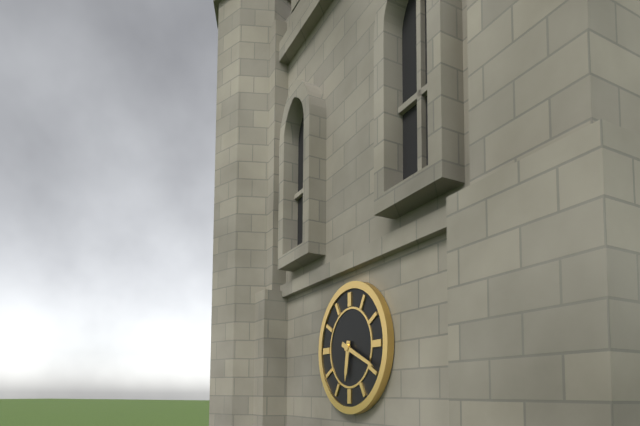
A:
6 h 19 min
